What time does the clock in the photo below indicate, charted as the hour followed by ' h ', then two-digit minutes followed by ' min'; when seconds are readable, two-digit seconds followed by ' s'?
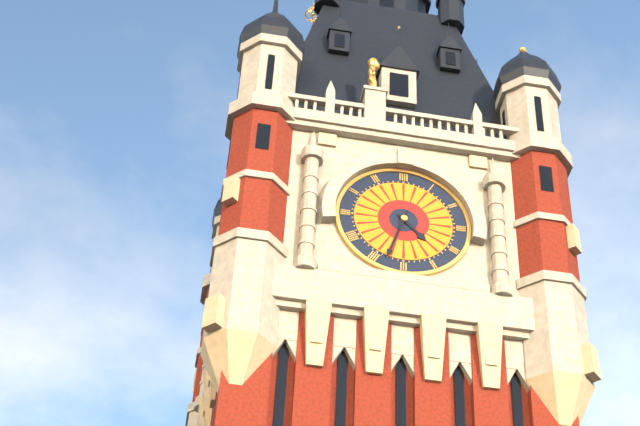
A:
4 h 33 min
